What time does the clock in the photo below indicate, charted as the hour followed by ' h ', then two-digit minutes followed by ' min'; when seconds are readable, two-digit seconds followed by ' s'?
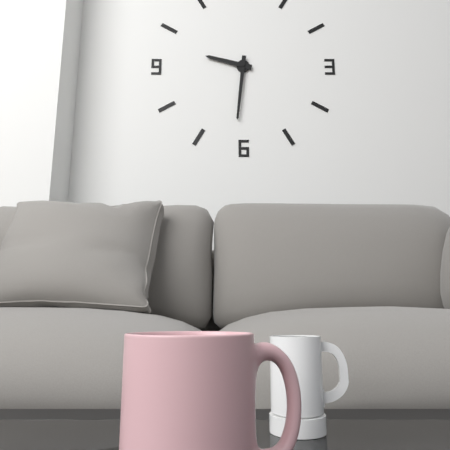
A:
9 h 31 min
